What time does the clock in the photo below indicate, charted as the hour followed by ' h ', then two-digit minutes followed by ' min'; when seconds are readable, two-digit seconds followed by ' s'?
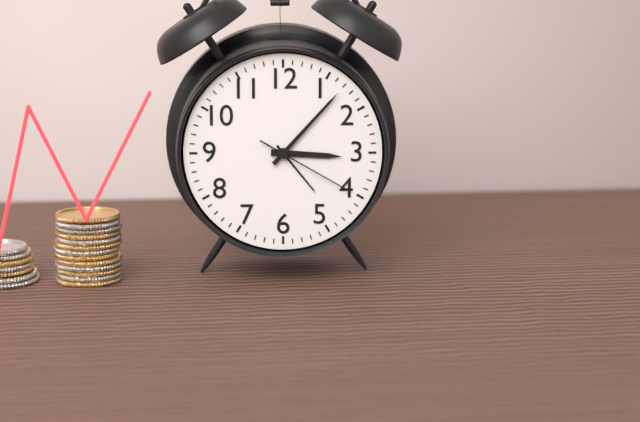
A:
3 h 07 min 20 s
